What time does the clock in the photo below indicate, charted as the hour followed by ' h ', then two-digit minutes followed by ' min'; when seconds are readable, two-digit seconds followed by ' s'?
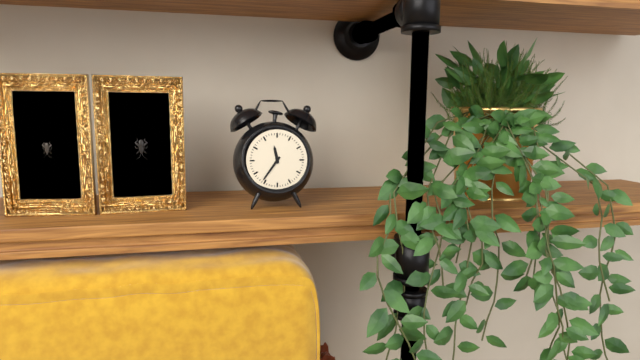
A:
11 h 36 min
